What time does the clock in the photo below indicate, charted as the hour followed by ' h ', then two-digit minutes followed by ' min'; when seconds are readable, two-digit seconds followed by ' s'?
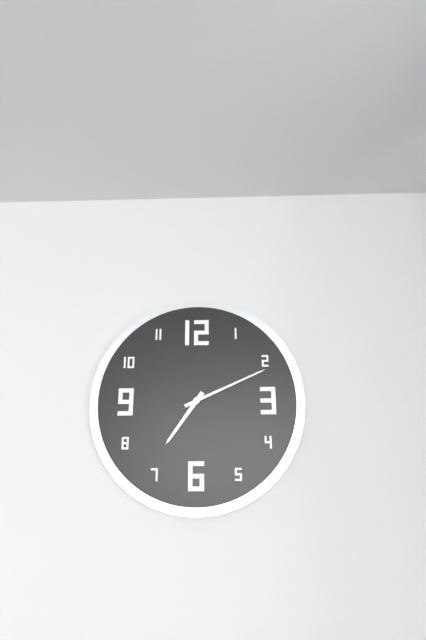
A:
7 h 11 min
